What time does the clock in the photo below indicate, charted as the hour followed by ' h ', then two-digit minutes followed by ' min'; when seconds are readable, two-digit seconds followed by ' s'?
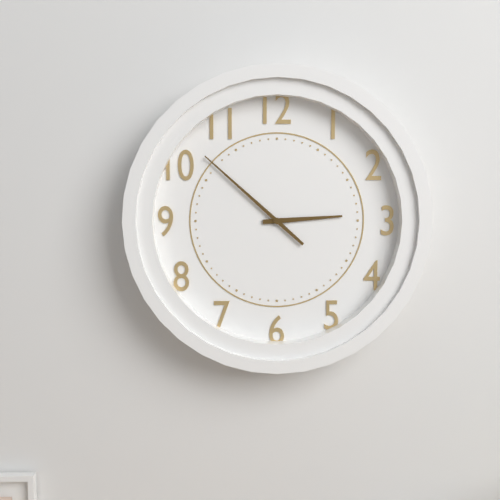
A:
2 h 52 min
